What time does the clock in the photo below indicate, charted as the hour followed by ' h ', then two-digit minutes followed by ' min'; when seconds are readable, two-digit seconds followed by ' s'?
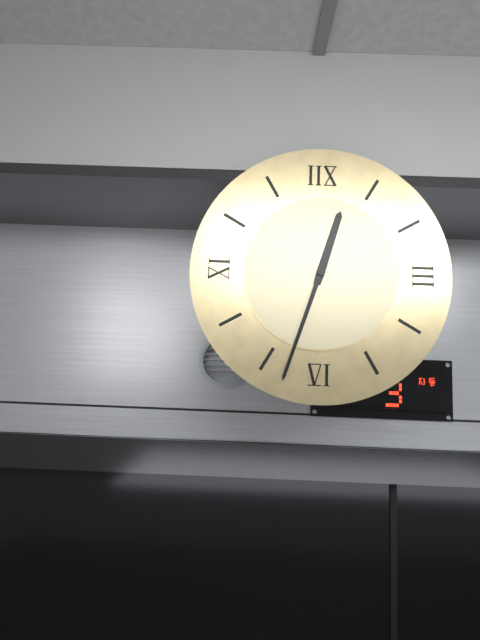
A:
12 h 33 min
